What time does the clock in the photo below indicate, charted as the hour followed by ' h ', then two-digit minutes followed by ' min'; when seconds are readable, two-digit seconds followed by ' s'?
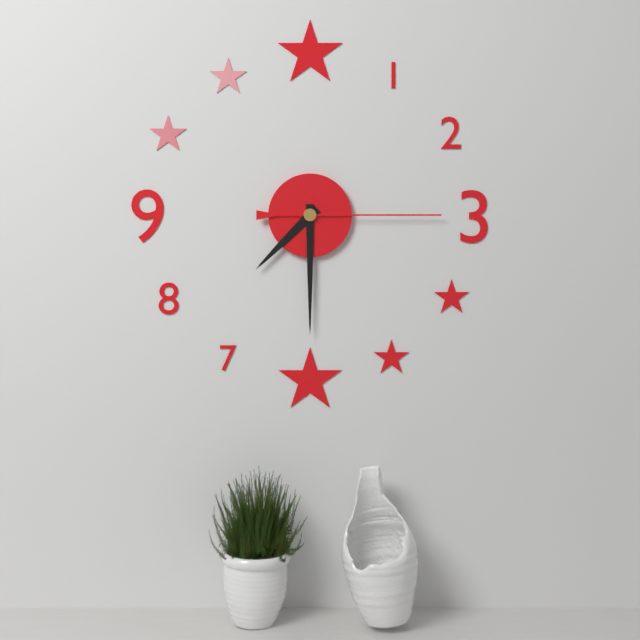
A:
7 h 30 min 15 s
